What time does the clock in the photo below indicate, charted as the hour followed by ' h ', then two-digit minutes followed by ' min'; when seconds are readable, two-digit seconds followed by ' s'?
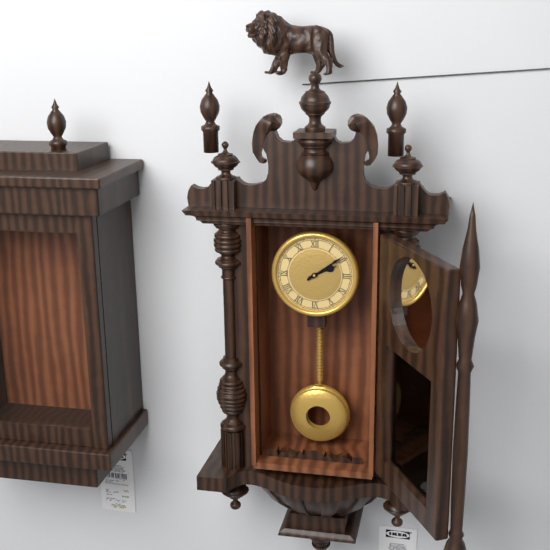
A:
2 h 09 min
